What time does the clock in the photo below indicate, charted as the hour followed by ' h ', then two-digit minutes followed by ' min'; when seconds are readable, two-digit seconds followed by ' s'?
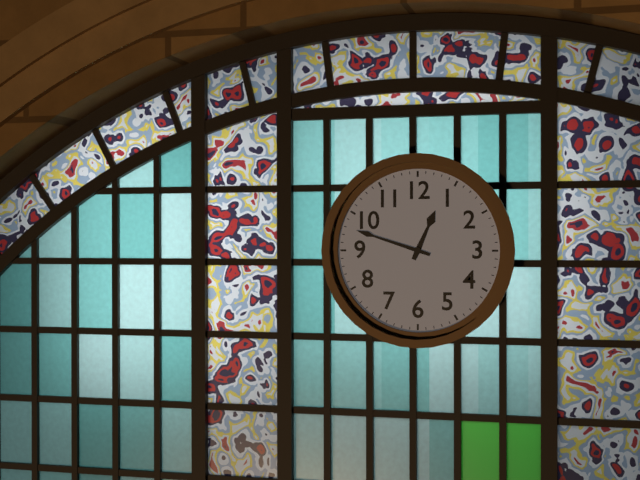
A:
12 h 48 min
